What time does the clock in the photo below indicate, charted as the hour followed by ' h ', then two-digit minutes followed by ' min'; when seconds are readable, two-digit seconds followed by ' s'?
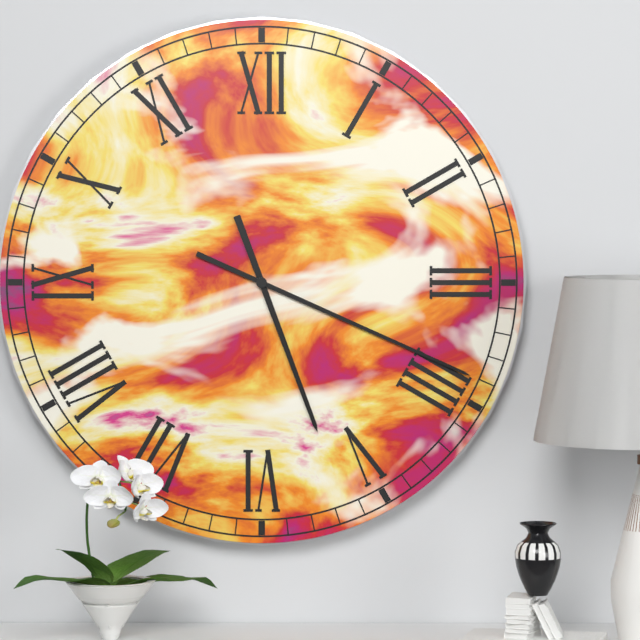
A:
5 h 19 min
